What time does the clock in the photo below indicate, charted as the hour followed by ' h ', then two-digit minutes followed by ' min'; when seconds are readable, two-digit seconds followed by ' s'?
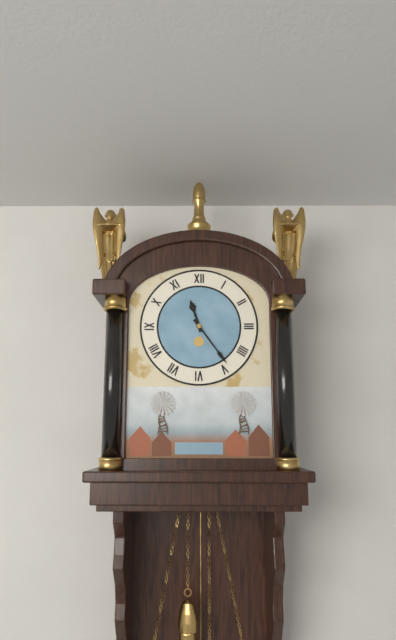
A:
11 h 24 min
